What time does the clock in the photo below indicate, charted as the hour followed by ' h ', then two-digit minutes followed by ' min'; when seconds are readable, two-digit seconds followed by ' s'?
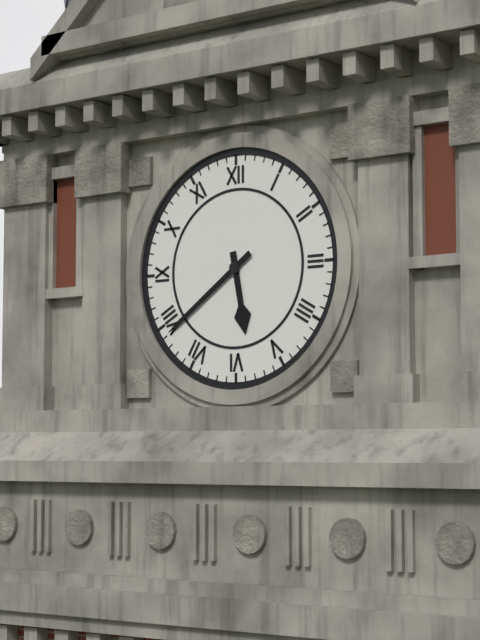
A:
5 h 39 min
